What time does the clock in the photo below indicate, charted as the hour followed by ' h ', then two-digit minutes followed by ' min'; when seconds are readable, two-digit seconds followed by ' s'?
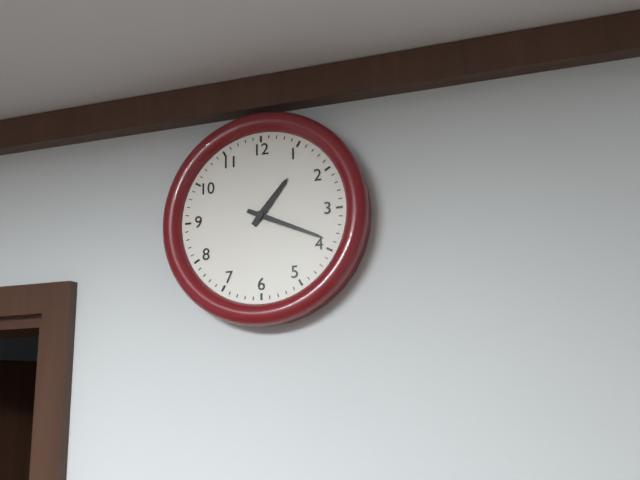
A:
1 h 19 min
